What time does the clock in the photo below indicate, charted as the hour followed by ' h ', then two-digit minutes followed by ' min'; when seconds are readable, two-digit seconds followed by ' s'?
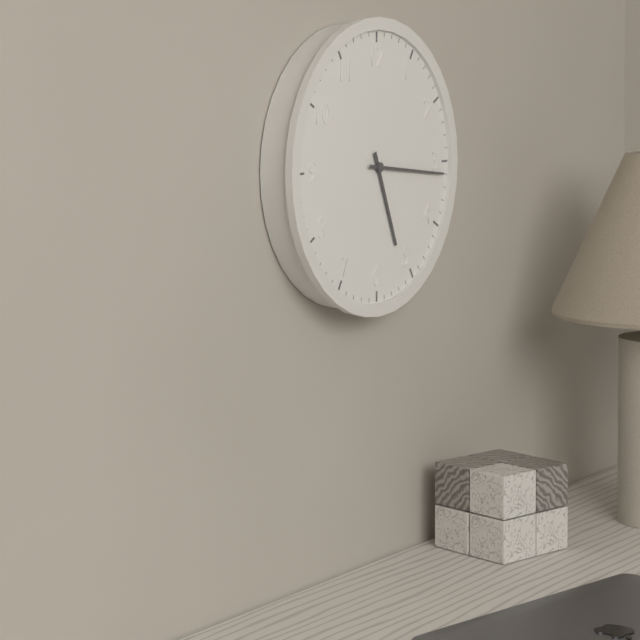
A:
5 h 16 min
